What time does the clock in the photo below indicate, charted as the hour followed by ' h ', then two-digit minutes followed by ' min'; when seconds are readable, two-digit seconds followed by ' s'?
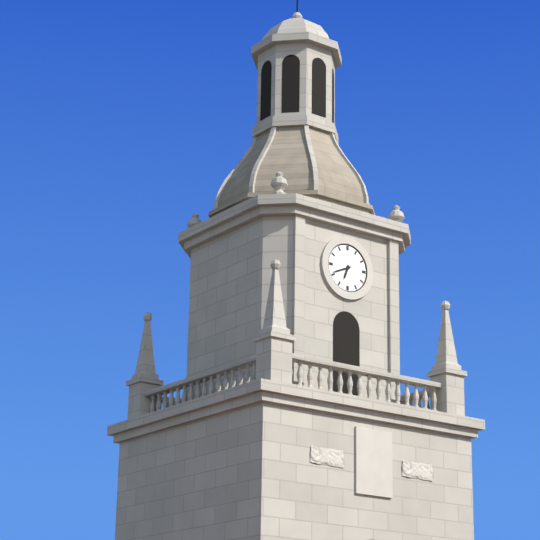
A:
6 h 41 min
